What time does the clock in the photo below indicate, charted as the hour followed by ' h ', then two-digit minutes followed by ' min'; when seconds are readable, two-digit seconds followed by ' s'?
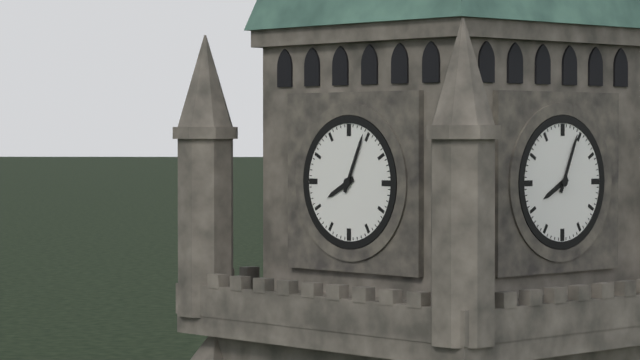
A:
8 h 04 min
